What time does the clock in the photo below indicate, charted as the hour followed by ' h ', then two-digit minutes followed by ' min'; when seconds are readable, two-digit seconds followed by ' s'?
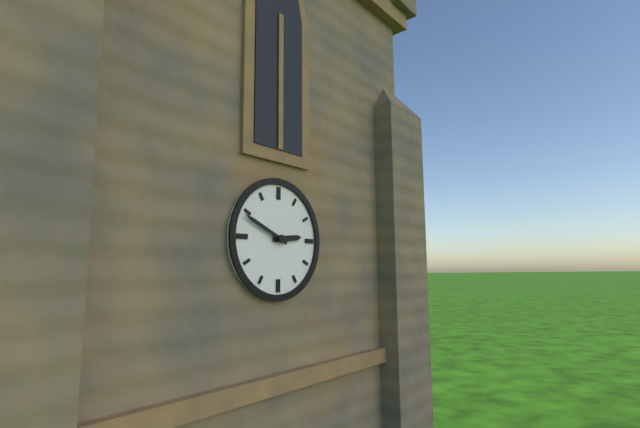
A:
2 h 49 min
